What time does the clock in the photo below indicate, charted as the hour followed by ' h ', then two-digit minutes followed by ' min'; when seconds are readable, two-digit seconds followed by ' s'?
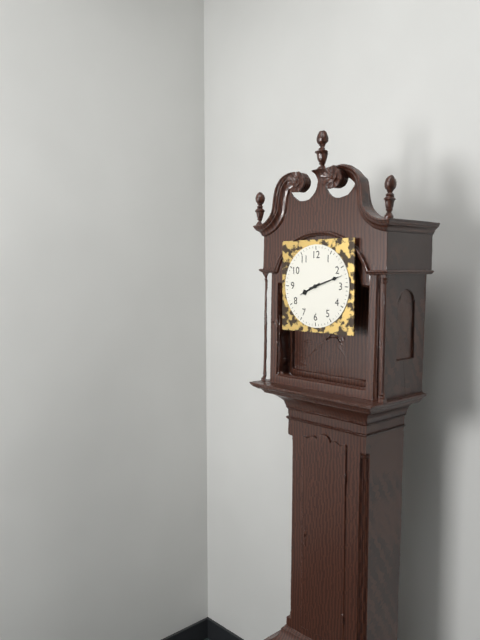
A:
8 h 12 min
